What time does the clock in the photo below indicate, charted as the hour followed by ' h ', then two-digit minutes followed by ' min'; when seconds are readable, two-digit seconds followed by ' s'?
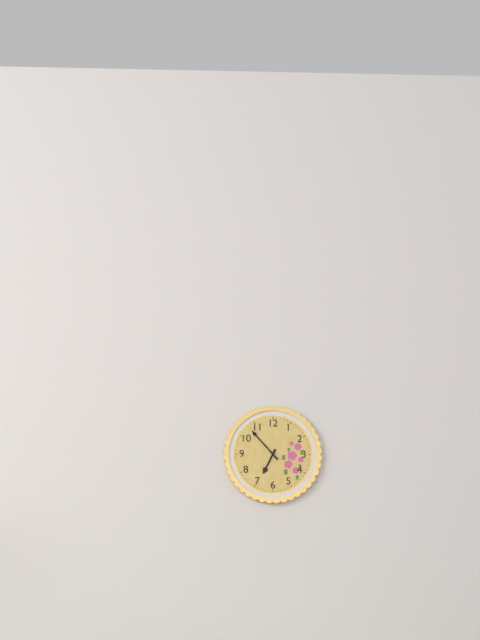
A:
6 h 53 min
